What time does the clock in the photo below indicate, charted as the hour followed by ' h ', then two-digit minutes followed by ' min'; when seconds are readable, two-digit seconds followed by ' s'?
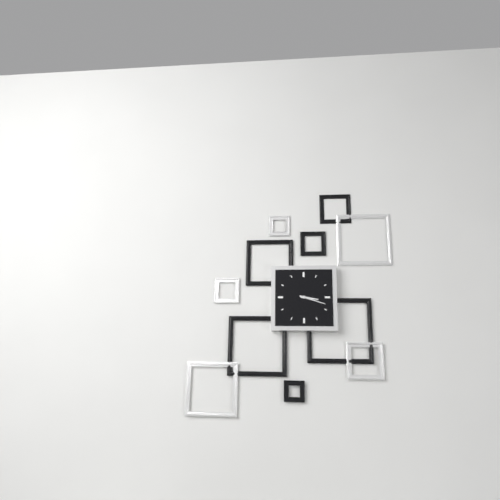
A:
3 h 18 min
